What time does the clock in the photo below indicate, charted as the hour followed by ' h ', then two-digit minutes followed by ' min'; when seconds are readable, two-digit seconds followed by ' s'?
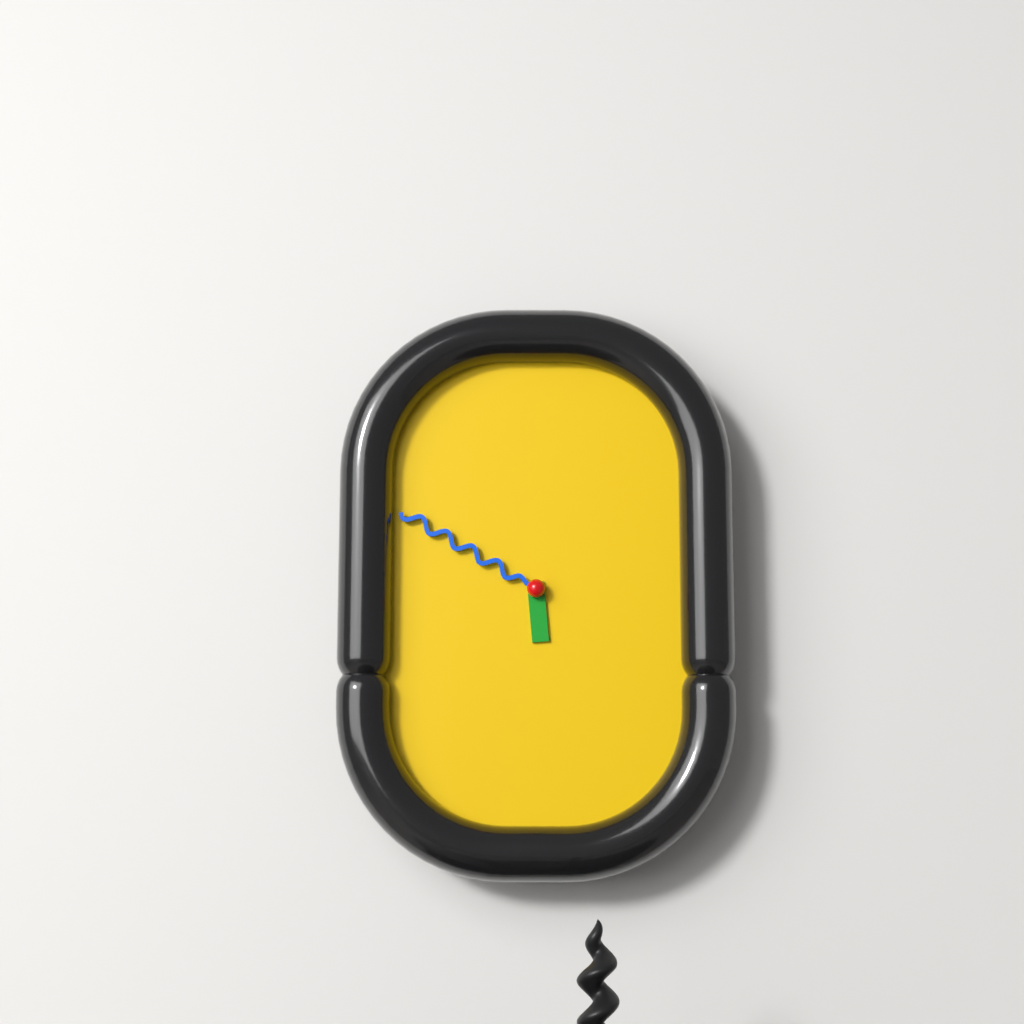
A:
5 h 50 min
